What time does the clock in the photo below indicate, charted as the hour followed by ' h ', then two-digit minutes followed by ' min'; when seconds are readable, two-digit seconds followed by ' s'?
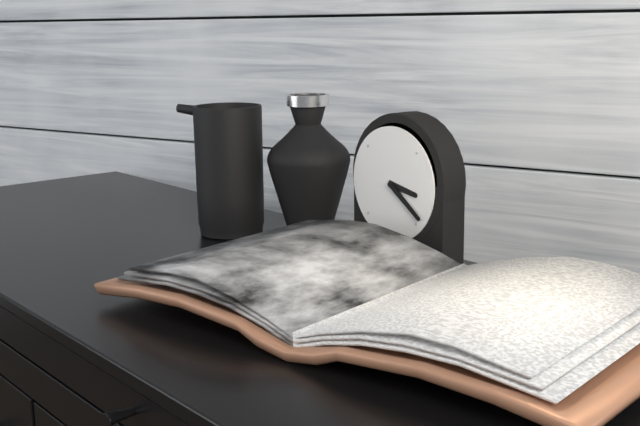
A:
3 h 21 min
